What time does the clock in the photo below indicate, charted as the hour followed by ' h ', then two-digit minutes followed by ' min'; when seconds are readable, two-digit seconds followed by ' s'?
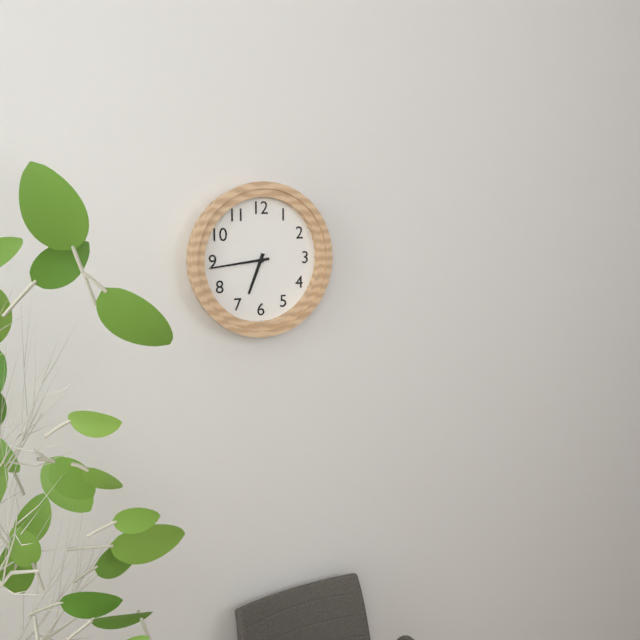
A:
6 h 44 min
